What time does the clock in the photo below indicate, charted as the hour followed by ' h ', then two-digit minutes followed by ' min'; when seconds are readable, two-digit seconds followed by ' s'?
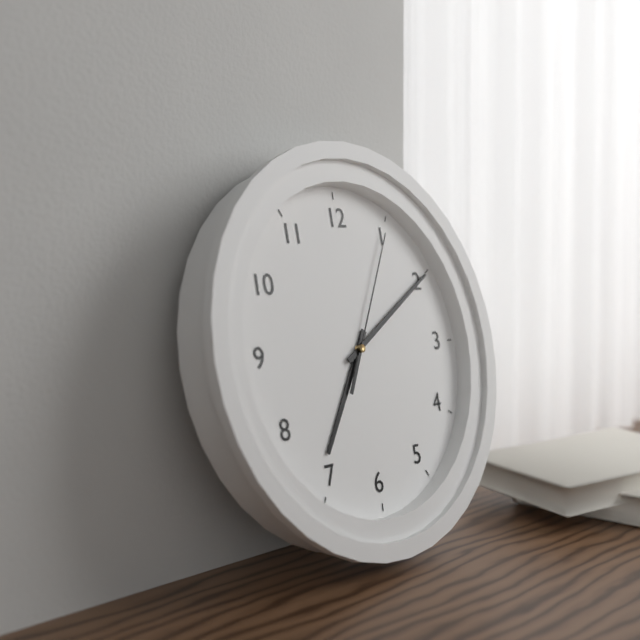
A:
7 h 10 min 05 s
